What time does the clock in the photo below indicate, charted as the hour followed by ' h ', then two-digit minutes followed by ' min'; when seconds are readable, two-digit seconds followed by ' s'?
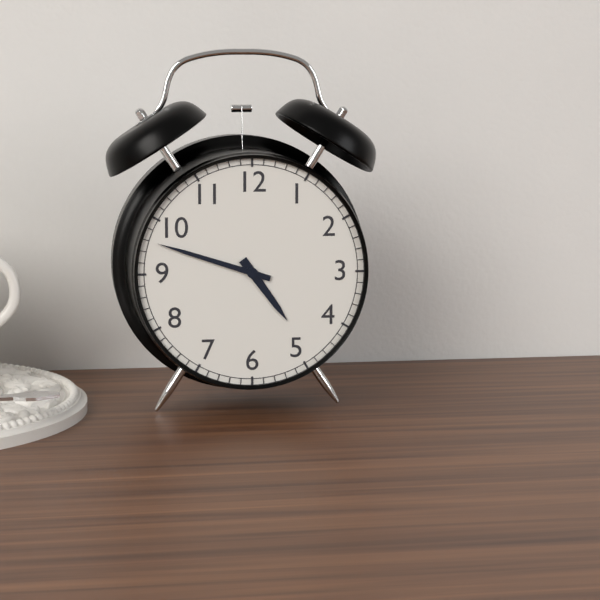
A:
4 h 48 min
